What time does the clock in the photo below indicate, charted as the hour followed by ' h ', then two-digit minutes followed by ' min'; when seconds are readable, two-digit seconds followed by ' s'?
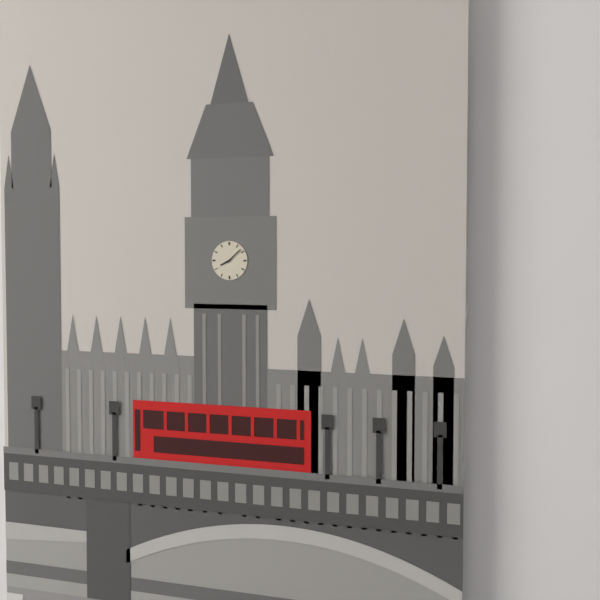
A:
8 h 08 min
